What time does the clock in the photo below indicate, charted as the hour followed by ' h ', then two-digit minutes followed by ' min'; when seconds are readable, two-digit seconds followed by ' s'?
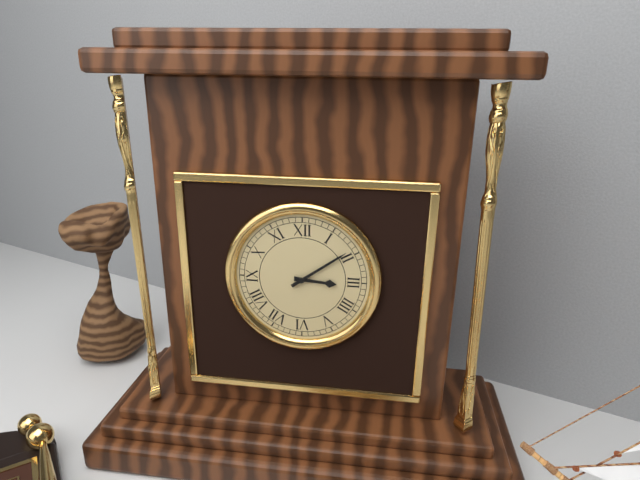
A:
3 h 09 min
